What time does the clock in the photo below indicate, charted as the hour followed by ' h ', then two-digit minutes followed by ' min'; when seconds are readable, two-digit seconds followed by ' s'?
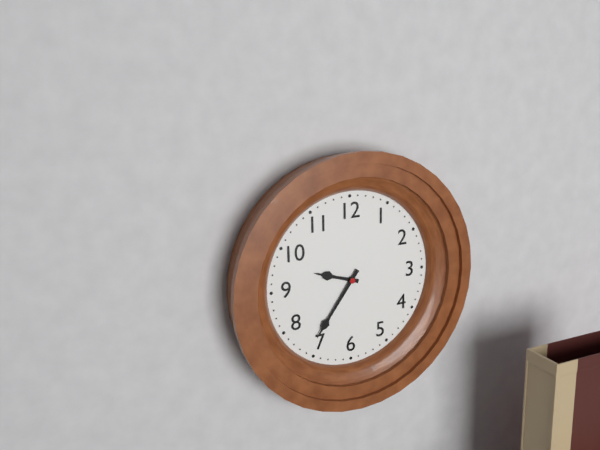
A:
9 h 36 min
